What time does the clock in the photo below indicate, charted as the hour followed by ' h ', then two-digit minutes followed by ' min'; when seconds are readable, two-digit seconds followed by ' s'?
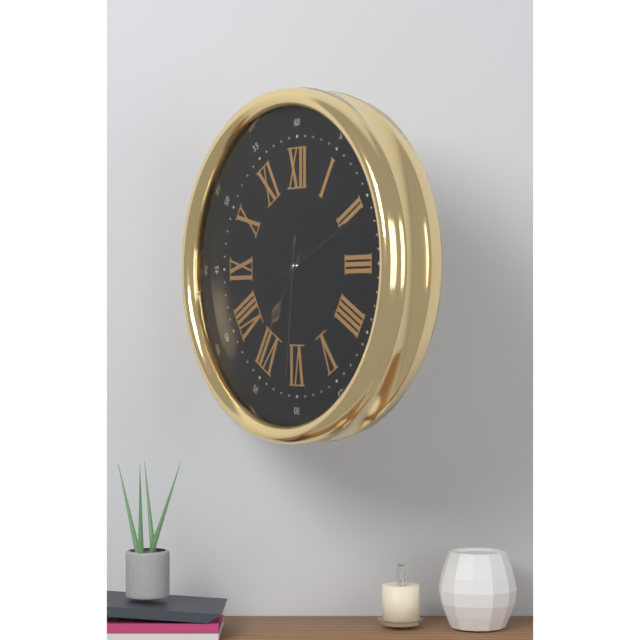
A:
7 h 11 min 31 s
